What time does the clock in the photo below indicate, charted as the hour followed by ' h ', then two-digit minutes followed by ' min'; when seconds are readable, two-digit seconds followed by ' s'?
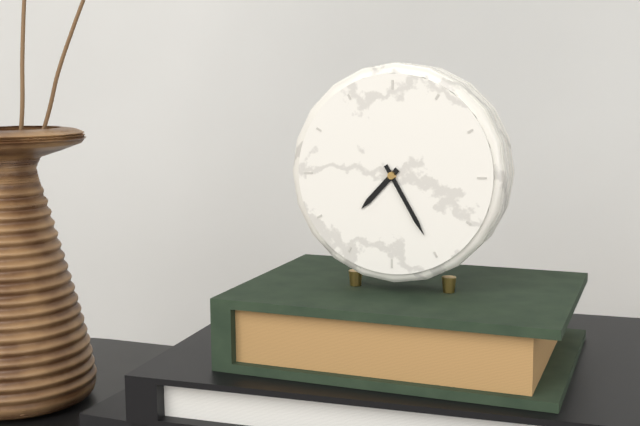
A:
7 h 25 min
